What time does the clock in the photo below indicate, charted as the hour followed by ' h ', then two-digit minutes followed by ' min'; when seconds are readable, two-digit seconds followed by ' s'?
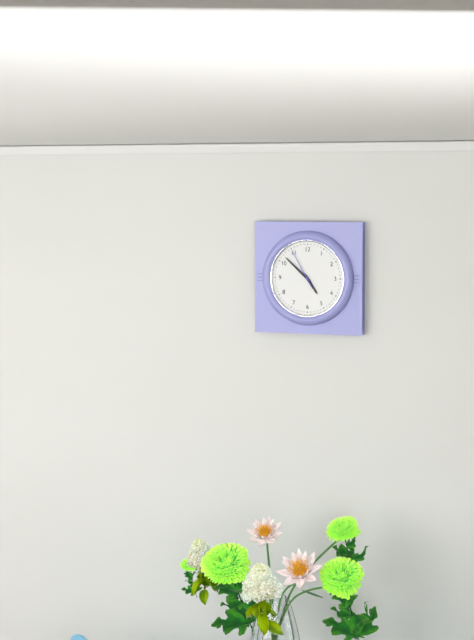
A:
4 h 52 min
